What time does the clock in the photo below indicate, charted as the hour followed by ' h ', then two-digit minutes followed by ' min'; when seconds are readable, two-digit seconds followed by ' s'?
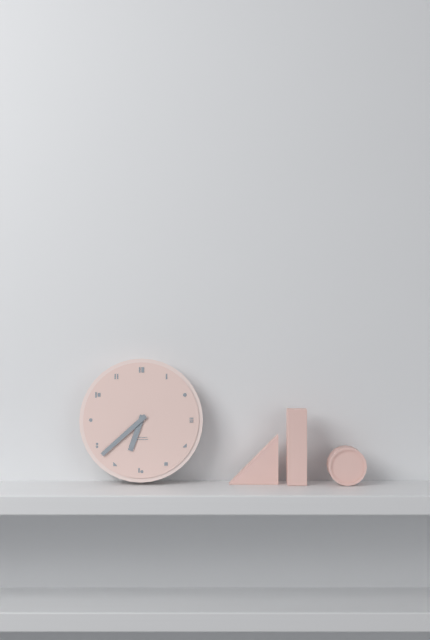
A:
6 h 38 min
